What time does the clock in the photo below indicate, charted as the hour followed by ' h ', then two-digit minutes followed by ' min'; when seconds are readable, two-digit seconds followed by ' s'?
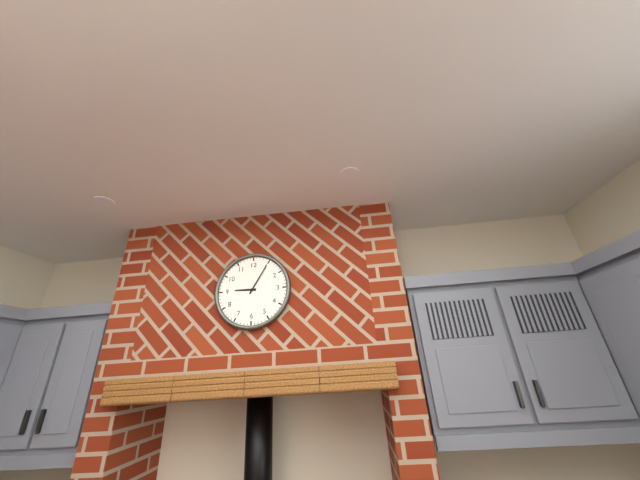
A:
9 h 05 min
